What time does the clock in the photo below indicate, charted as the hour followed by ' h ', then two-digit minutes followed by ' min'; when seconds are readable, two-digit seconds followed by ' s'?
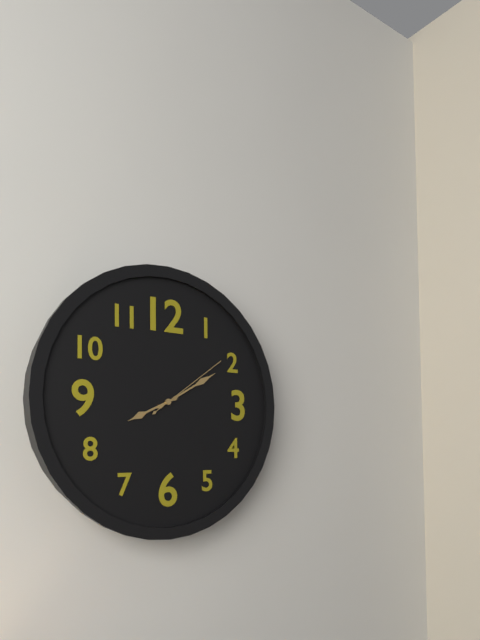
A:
8 h 10 min 09 s
